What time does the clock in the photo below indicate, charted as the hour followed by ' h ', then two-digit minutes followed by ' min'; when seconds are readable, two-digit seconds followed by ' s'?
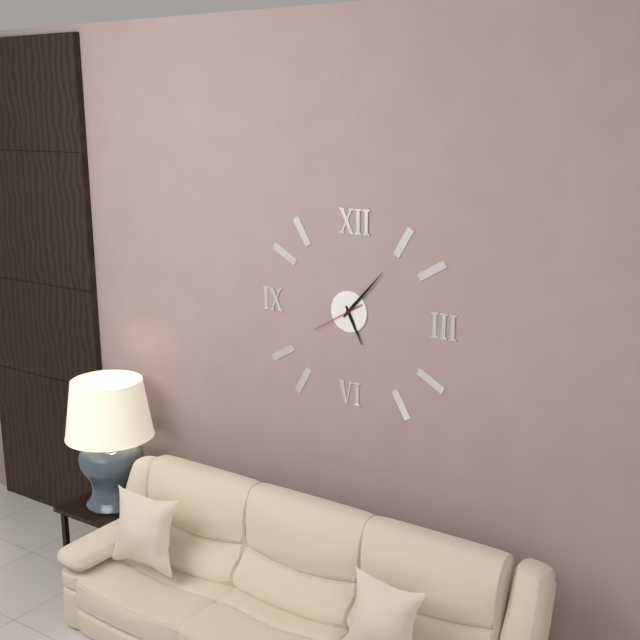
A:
5 h 07 min
